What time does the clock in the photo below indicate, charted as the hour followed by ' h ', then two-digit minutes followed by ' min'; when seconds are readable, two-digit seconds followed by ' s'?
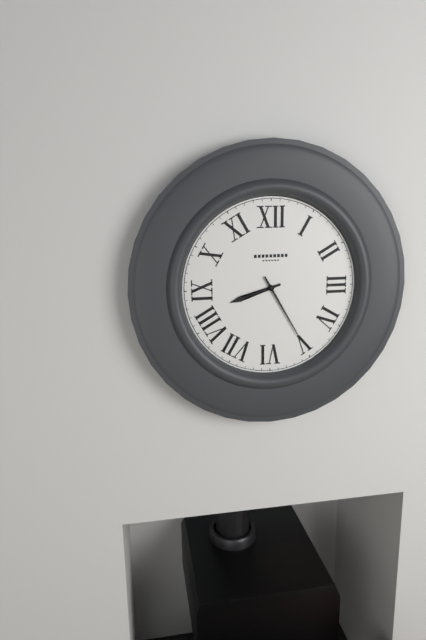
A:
8 h 25 min
